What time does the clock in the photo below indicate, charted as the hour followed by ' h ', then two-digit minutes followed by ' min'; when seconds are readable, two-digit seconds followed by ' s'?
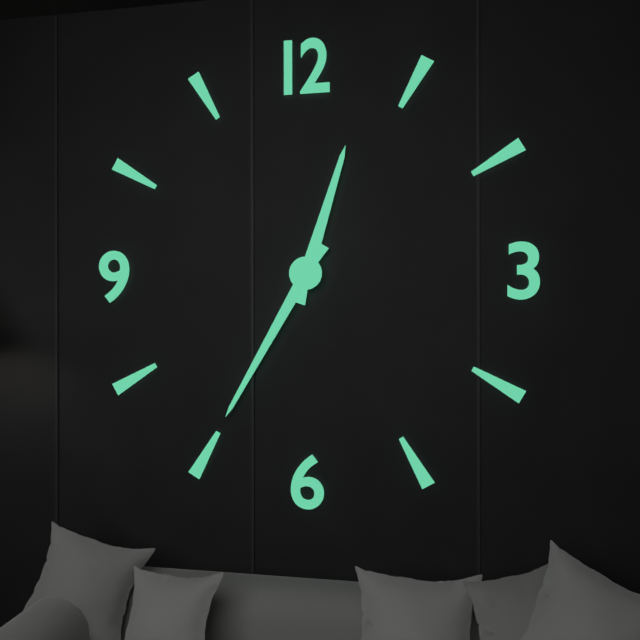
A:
12 h 35 min
